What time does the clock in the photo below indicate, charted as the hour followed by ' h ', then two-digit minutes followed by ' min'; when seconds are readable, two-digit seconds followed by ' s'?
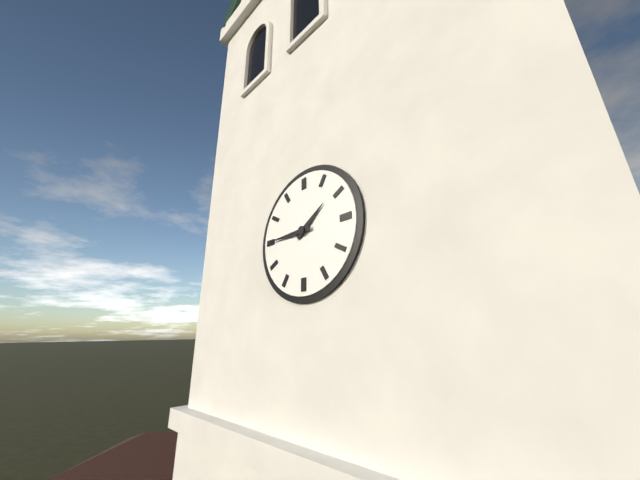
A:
1 h 45 min
